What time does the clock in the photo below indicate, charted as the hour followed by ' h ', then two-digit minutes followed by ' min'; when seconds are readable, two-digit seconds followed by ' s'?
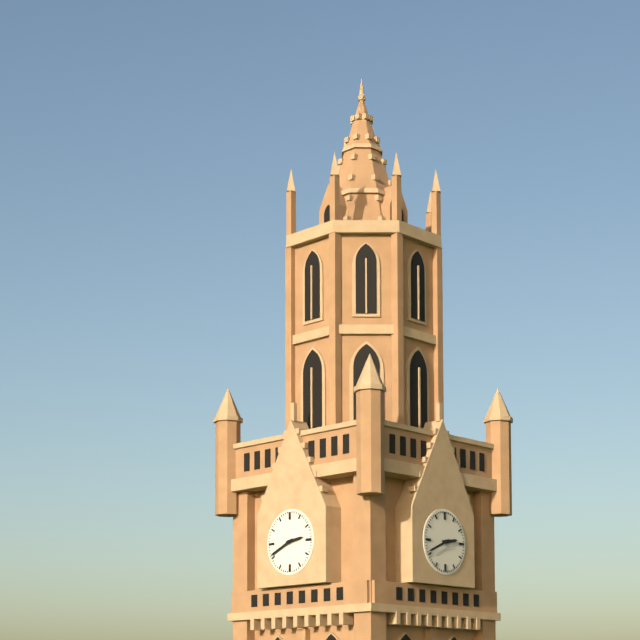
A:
2 h 41 min
